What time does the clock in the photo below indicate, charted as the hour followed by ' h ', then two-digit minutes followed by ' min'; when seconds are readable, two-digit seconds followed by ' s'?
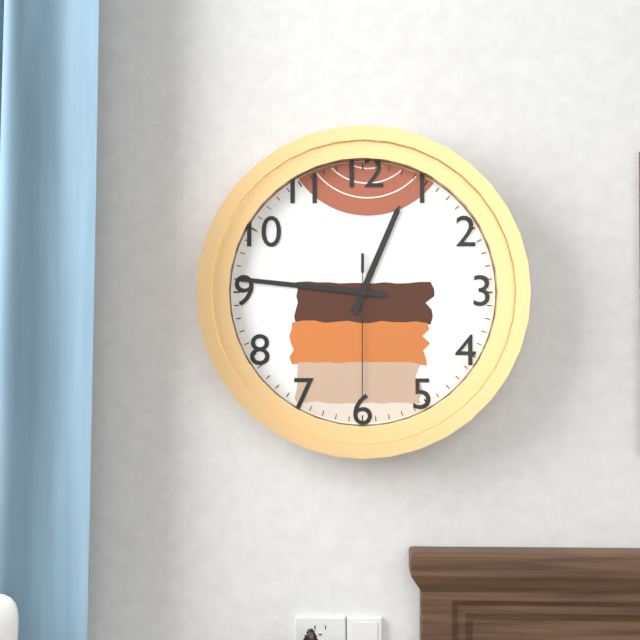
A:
12 h 46 min 30 s
